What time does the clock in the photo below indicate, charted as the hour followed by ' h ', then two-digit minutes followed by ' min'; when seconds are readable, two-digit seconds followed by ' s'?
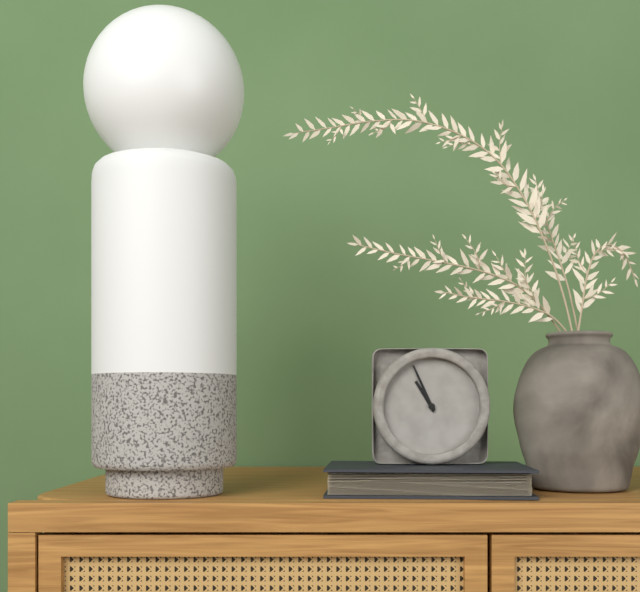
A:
10 h 56 min
